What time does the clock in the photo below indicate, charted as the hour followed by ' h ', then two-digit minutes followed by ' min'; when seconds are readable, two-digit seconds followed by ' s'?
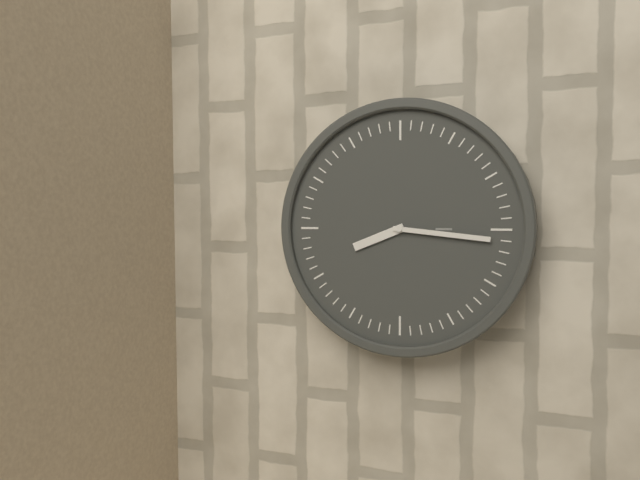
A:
8 h 16 min
